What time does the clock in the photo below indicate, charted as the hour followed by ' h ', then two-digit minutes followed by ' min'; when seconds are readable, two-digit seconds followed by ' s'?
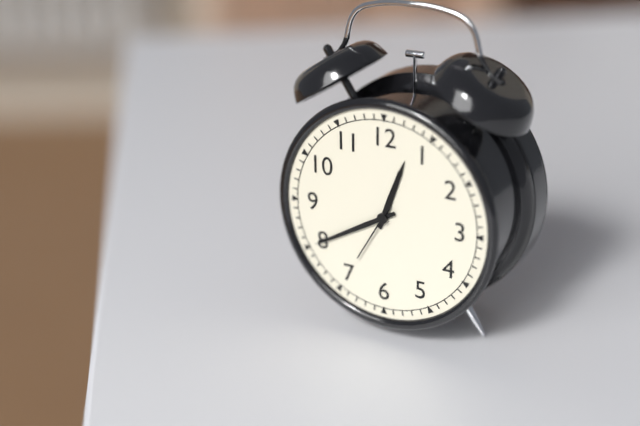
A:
12 h 40 min 35 s
